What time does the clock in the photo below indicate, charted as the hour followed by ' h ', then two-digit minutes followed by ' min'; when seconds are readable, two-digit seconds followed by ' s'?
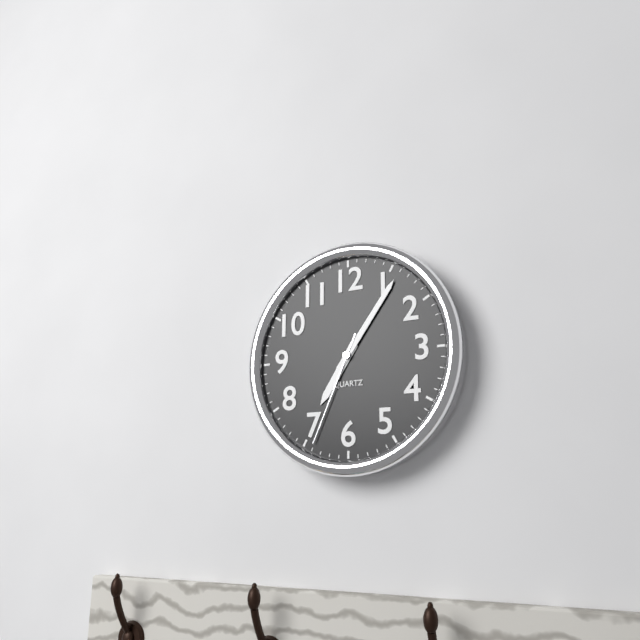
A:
7 h 06 min 34 s
